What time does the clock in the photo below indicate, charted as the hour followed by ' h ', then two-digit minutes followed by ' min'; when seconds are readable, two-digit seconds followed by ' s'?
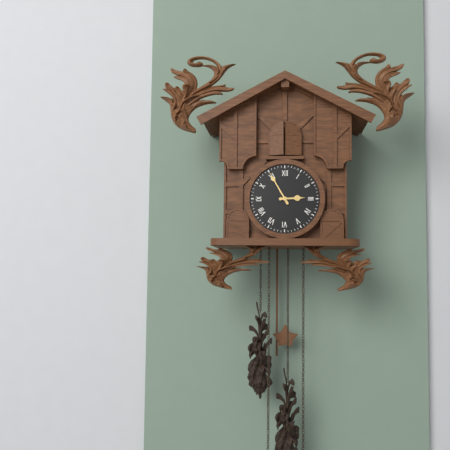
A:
2 h 55 min
